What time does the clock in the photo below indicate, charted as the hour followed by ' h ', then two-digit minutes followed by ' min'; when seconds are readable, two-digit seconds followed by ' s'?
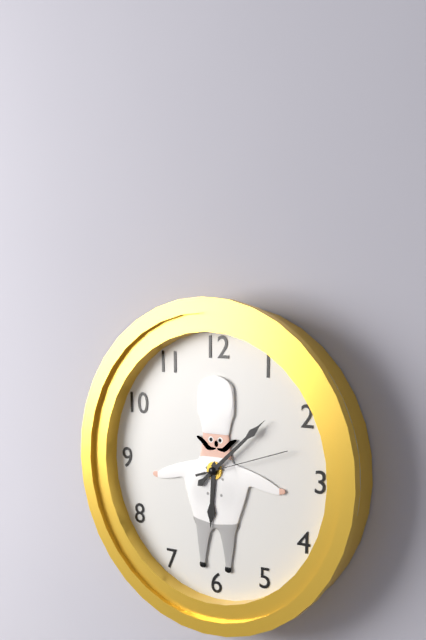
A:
6 h 08 min 12 s
